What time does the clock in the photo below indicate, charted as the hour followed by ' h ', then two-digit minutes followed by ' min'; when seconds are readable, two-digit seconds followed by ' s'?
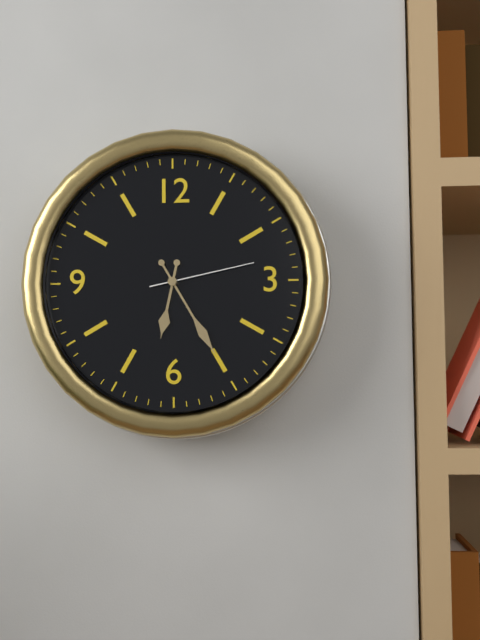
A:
6 h 25 min 13 s
